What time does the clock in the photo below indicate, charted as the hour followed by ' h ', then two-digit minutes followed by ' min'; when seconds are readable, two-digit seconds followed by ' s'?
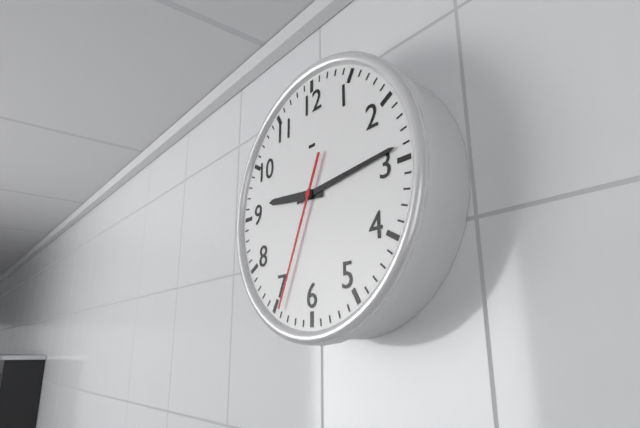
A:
9 h 14 min 34 s
